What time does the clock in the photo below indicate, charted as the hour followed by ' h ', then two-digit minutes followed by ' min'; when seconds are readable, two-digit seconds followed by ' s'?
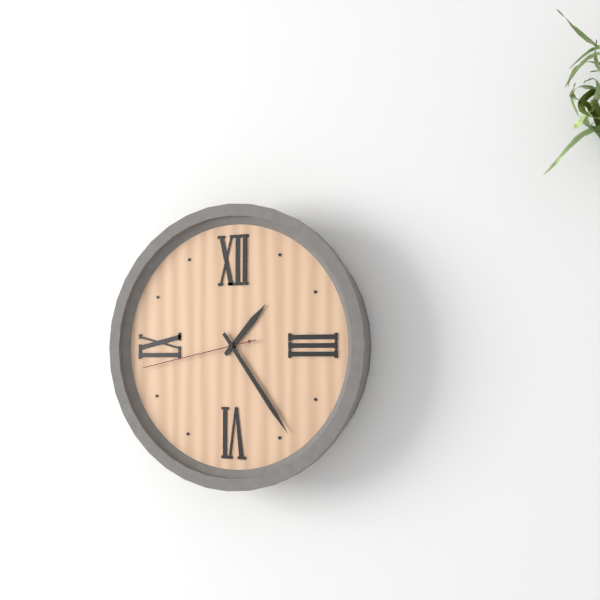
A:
1 h 24 min 43 s
